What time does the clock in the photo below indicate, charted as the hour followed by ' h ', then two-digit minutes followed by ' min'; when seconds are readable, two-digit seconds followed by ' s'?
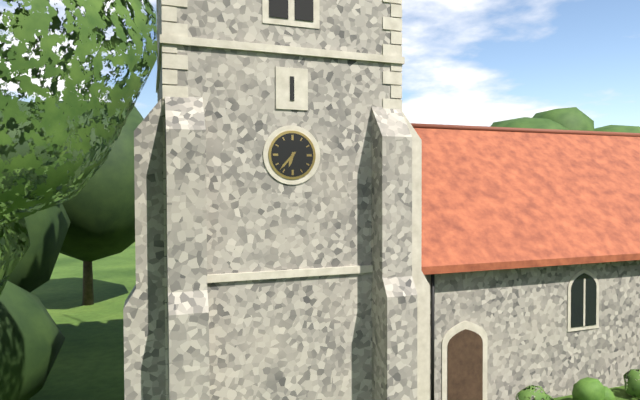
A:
6 h 37 min
